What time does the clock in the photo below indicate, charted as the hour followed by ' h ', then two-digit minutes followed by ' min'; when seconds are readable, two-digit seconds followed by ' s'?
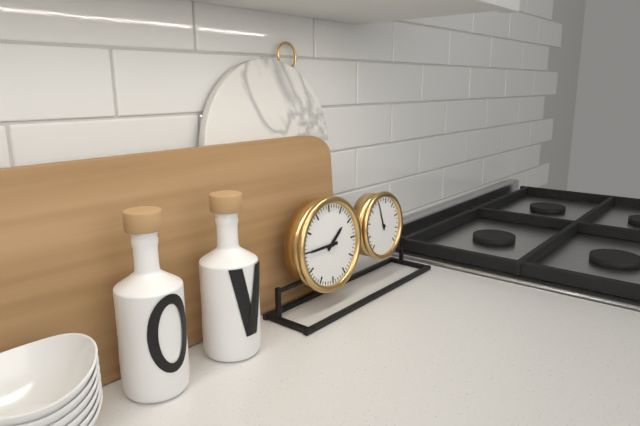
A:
1 h 45 min
